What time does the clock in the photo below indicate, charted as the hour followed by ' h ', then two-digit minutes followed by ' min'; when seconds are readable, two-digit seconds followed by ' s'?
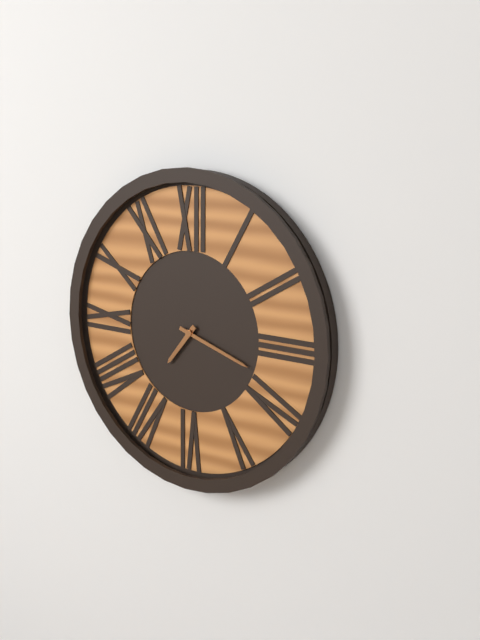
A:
7 h 18 min
